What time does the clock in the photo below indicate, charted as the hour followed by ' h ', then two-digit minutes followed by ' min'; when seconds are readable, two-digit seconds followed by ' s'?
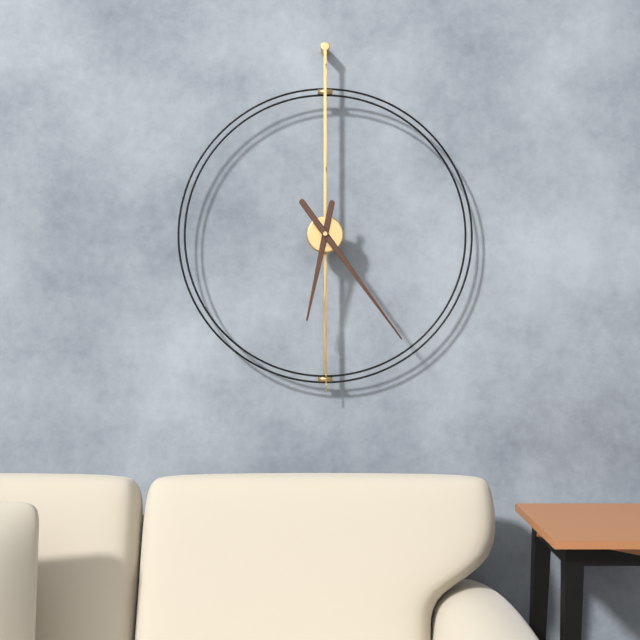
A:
6 h 24 min
